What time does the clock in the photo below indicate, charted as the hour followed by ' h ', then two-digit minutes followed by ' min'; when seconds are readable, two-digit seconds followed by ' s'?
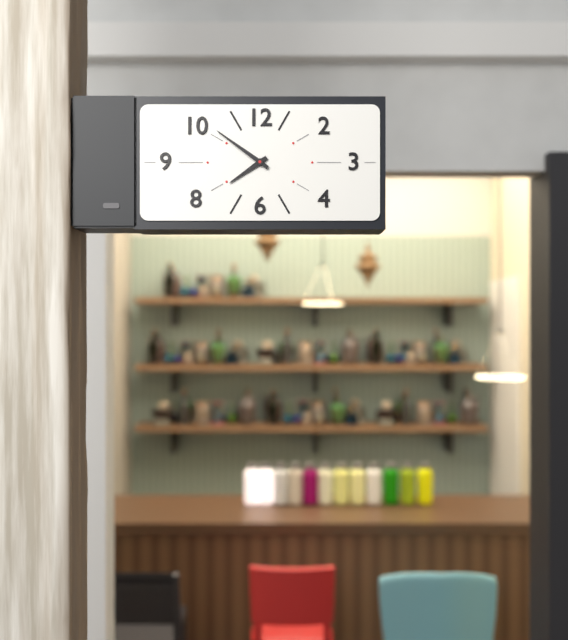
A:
7 h 51 min
